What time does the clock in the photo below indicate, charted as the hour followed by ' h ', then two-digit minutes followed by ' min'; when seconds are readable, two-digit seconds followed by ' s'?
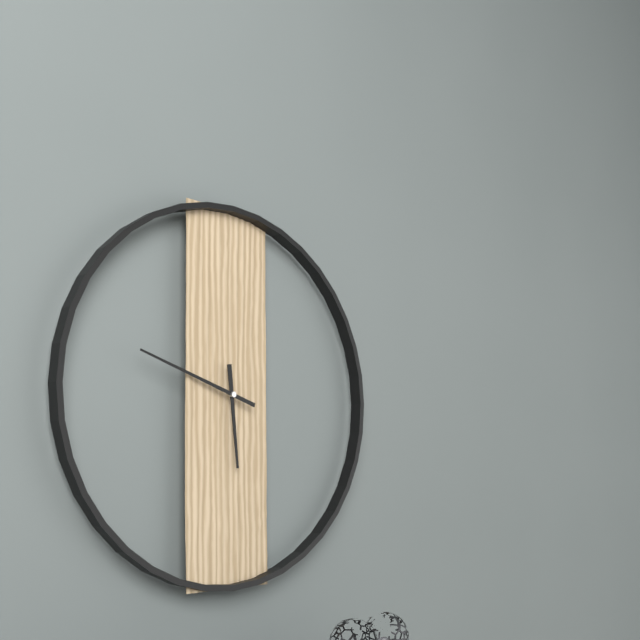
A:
5 h 48 min
